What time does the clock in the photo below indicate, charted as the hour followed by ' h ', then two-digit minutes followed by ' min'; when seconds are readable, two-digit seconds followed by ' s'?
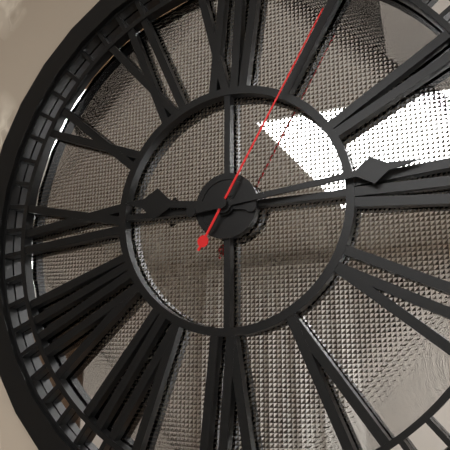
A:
9 h 14 min 05 s
